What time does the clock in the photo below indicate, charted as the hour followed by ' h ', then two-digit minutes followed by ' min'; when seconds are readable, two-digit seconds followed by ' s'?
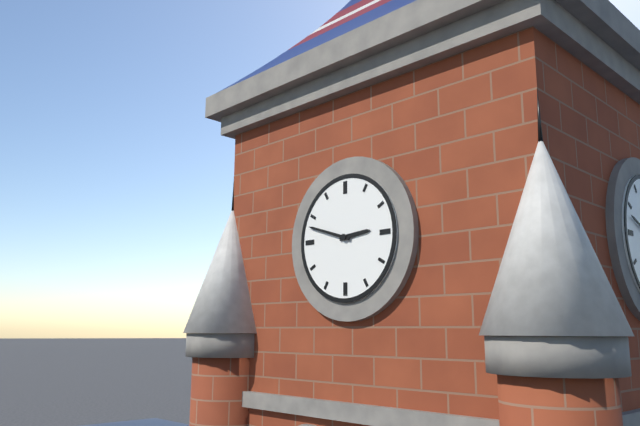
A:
2 h 48 min
